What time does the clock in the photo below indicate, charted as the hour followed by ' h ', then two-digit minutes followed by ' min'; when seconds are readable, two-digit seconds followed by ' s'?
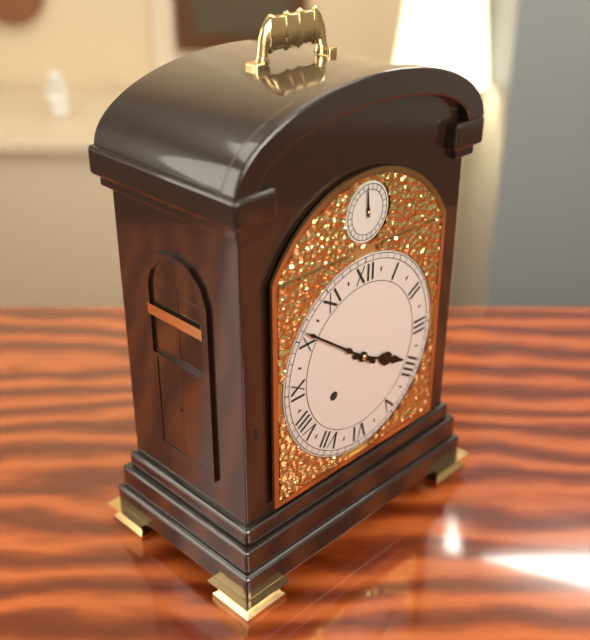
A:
3 h 51 min
